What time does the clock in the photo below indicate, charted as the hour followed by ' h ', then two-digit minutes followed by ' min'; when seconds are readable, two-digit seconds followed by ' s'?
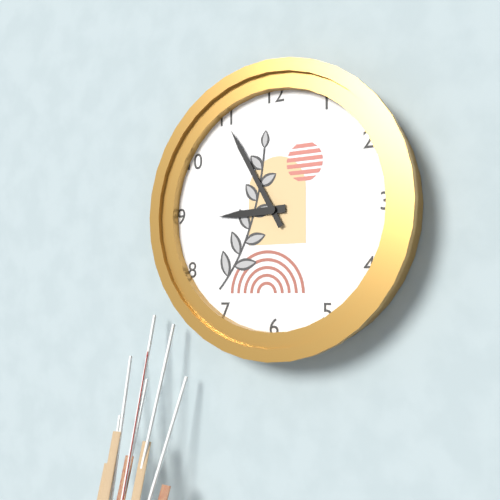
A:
8 h 55 min
